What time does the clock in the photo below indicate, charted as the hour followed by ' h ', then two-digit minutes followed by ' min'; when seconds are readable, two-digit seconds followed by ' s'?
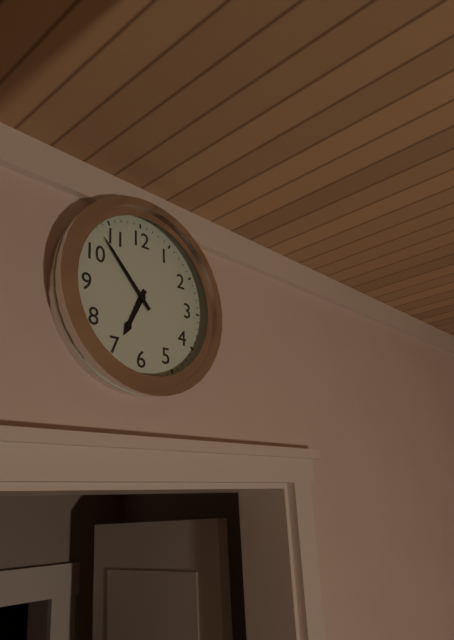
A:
6 h 53 min
